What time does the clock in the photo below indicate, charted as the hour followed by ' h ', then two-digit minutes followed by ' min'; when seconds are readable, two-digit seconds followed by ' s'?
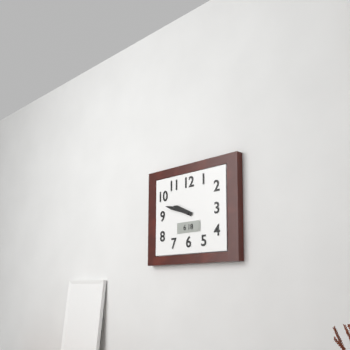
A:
9 h 48 min
